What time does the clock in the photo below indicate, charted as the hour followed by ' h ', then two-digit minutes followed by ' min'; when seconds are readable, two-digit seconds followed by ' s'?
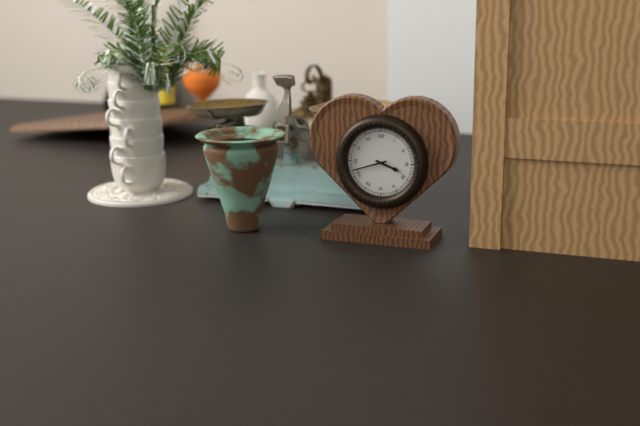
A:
3 h 42 min
